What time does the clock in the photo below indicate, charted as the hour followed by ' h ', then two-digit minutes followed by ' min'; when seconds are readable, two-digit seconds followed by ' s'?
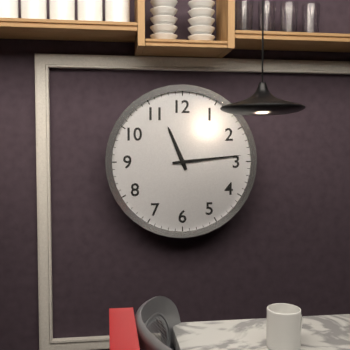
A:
11 h 14 min
